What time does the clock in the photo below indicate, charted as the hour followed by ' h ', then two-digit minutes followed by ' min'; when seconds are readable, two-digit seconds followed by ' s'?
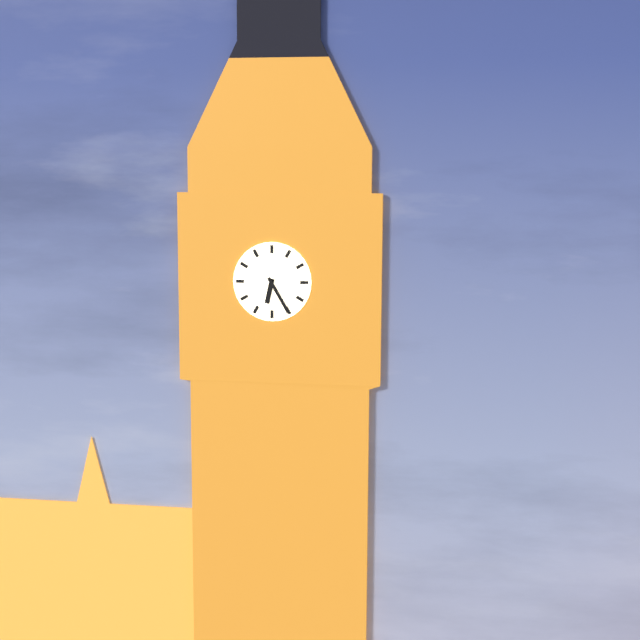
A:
6 h 25 min
